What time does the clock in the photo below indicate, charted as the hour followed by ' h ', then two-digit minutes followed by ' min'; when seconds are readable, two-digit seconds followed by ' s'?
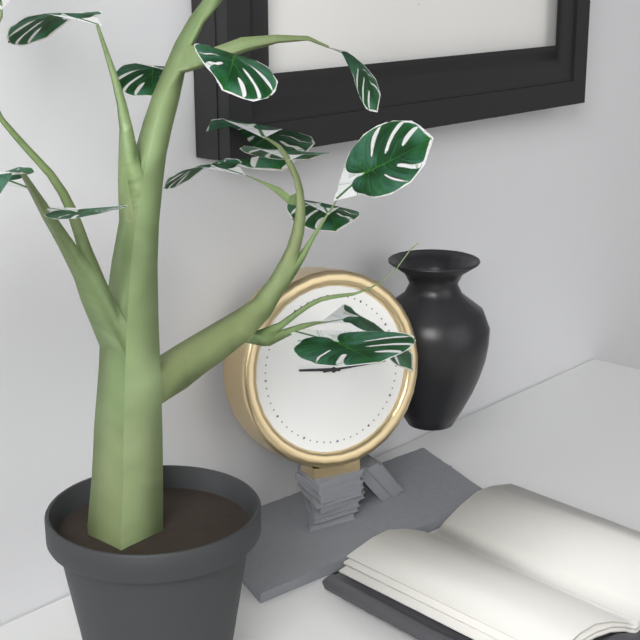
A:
9 h 15 min
